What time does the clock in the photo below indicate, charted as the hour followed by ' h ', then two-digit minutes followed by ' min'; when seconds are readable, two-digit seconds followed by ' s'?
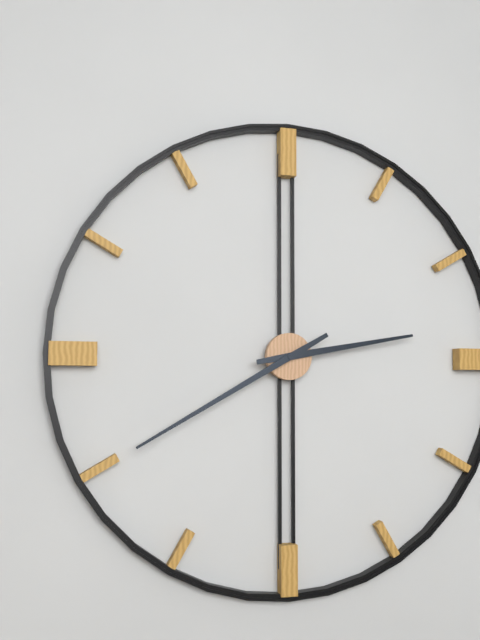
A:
2 h 40 min
